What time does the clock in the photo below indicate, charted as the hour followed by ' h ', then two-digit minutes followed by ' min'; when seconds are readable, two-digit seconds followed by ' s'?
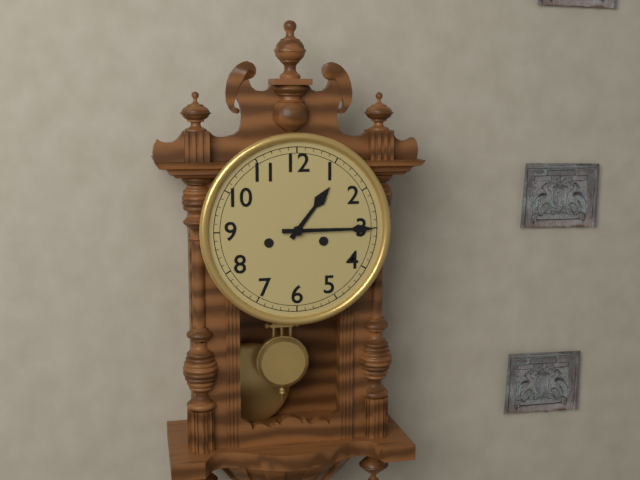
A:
1 h 15 min
